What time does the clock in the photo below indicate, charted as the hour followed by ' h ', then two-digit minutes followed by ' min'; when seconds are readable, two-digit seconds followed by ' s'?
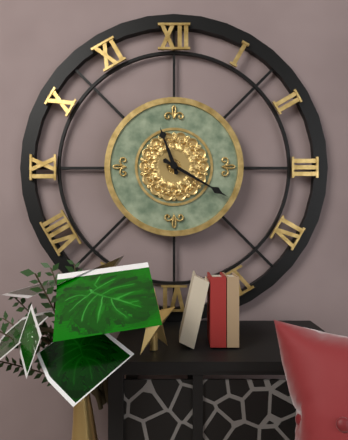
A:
11 h 20 min
